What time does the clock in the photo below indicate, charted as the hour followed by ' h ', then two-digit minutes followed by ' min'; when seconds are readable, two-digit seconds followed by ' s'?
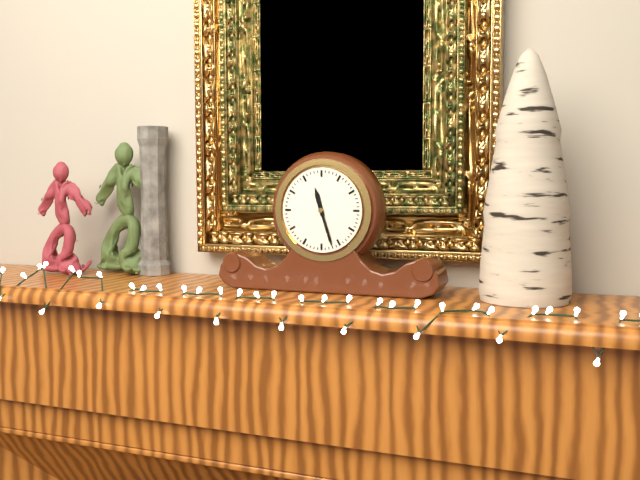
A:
11 h 27 min
